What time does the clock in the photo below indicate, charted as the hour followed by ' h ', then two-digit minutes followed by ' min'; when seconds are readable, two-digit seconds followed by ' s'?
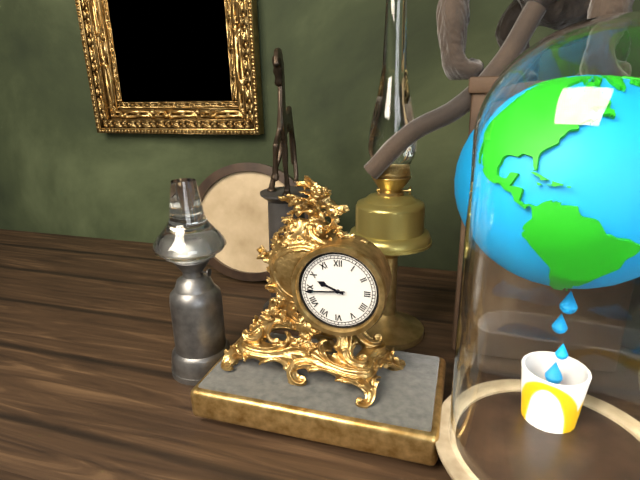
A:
9 h 44 min
